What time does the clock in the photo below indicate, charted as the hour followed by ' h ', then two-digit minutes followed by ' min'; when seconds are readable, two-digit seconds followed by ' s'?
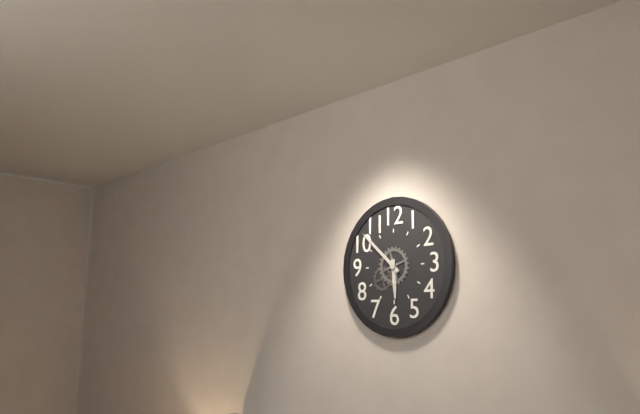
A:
5 h 52 min
